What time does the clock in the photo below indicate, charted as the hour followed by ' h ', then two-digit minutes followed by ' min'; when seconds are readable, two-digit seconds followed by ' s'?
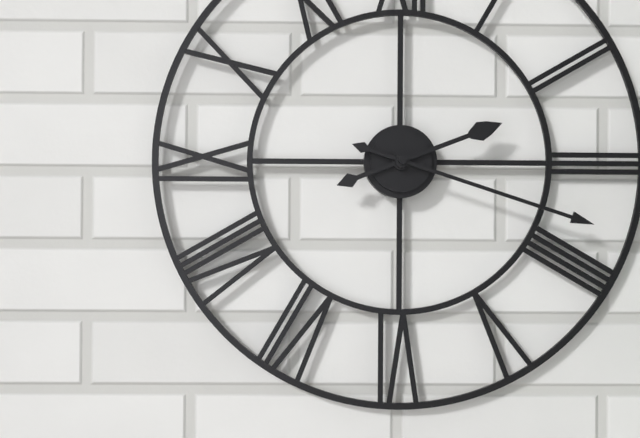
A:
2 h 18 min
